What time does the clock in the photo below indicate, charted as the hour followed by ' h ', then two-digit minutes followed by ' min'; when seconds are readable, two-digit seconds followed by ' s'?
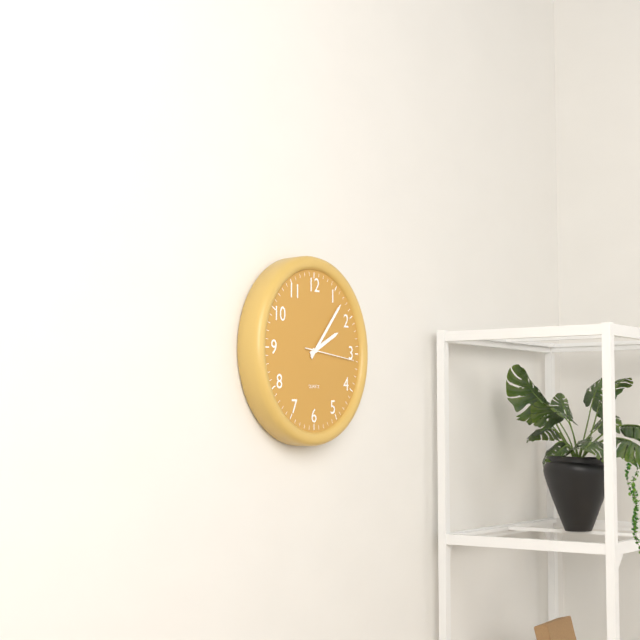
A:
2 h 07 min
